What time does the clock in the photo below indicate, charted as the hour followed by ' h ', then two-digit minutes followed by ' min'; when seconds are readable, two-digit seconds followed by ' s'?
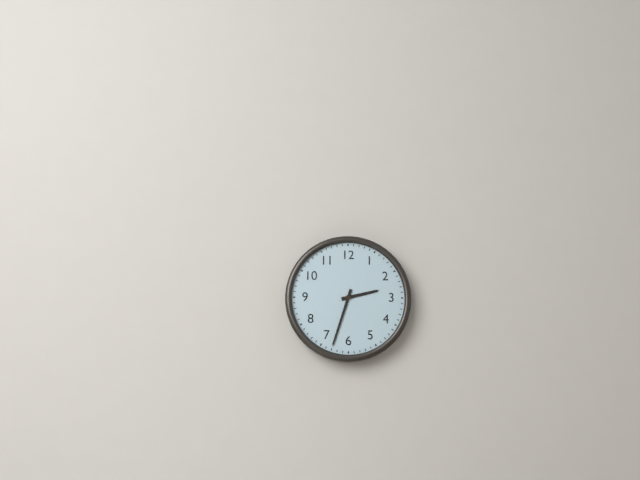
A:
2 h 33 min
